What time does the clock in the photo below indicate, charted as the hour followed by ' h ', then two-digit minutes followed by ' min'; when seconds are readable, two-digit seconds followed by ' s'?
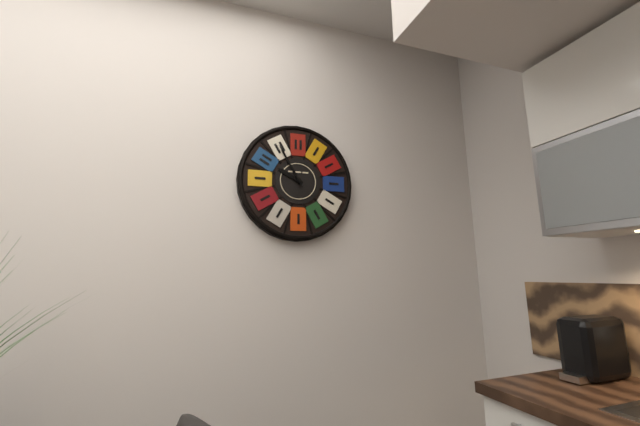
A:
9 h 55 min
